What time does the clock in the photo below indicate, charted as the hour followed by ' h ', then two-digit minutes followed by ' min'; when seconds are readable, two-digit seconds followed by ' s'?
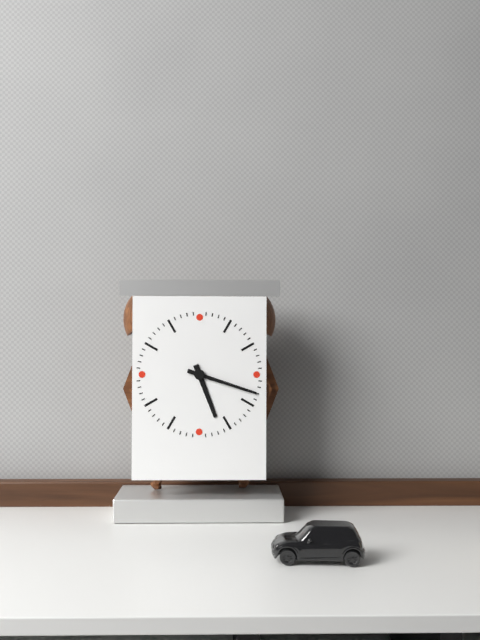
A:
5 h 18 min
